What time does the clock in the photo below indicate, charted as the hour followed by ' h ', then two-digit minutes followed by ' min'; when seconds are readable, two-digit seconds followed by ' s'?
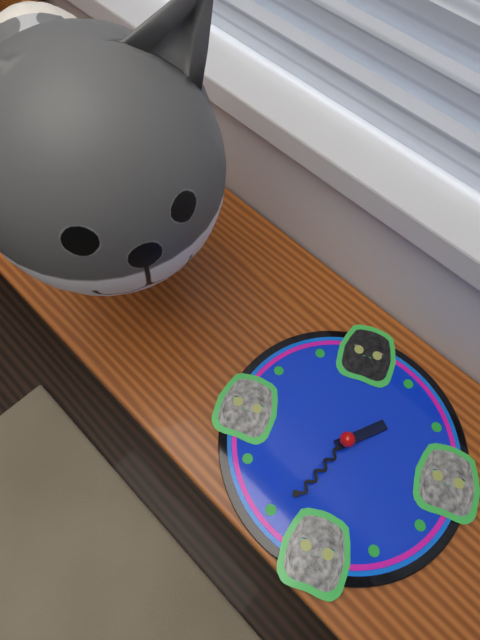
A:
1 h 34 min
